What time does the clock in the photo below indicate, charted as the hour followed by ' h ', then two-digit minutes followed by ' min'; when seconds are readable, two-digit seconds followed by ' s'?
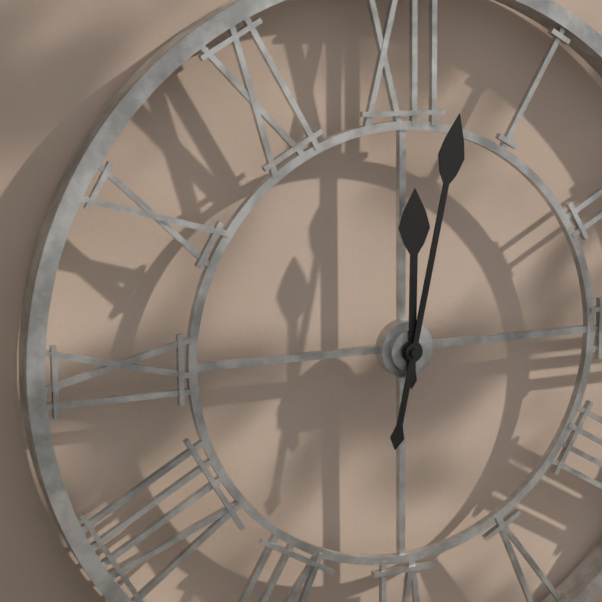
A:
12 h 02 min
